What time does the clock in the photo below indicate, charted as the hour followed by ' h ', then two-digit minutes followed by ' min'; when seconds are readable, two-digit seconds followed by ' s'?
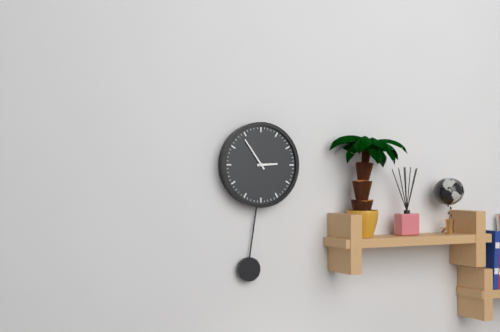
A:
2 h 54 min
